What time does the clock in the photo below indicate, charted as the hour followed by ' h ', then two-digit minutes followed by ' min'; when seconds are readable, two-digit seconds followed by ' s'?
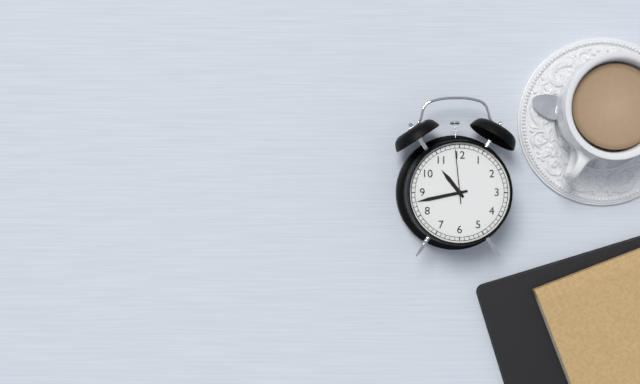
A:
10 h 43 min 59 s
